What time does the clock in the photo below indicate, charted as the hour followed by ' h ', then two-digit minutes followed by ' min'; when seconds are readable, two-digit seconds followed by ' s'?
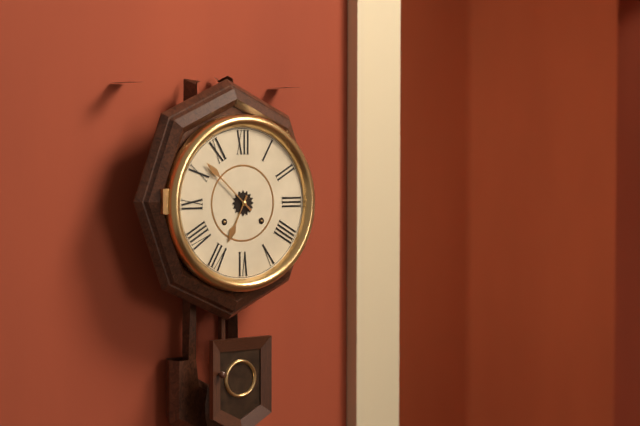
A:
6 h 52 min
